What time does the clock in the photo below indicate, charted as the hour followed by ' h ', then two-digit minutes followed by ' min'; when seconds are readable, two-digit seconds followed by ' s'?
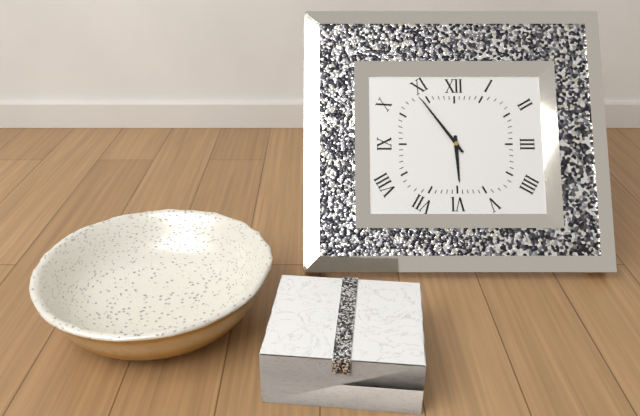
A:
5 h 54 min
